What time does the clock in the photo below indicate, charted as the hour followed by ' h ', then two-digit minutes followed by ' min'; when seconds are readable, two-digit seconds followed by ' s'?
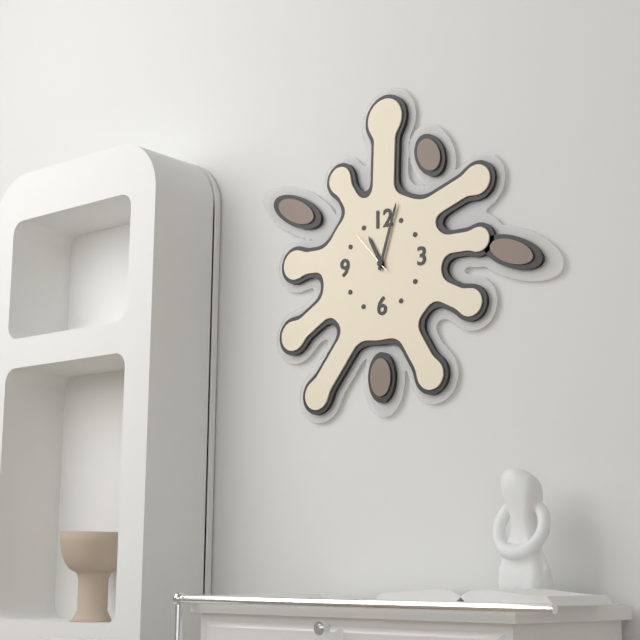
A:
11 h 03 min
